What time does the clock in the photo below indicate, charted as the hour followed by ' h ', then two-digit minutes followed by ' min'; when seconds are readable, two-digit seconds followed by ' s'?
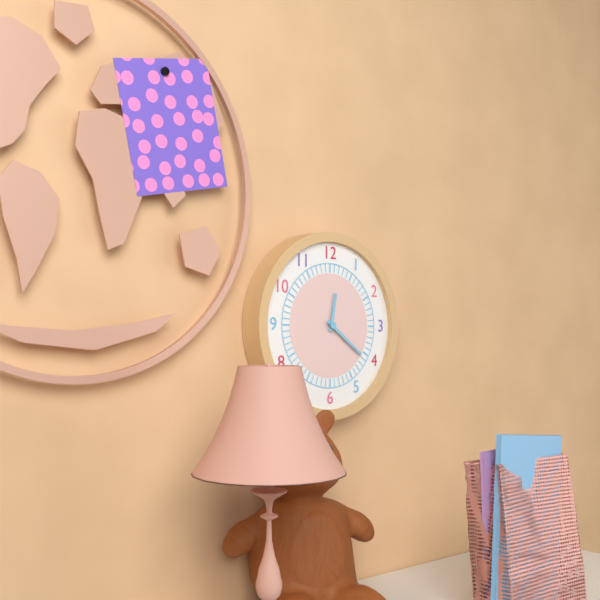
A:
12 h 21 min
